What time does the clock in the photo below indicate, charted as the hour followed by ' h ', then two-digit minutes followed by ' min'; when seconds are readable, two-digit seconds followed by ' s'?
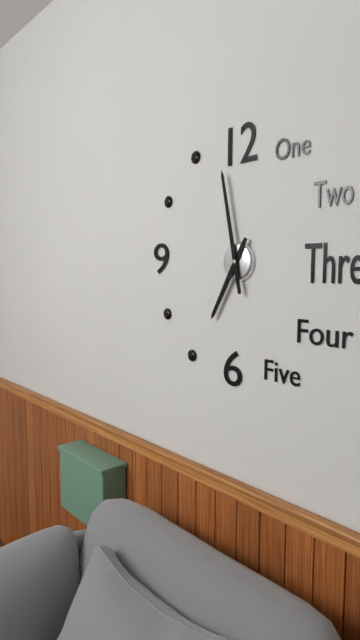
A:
6 h 58 min
